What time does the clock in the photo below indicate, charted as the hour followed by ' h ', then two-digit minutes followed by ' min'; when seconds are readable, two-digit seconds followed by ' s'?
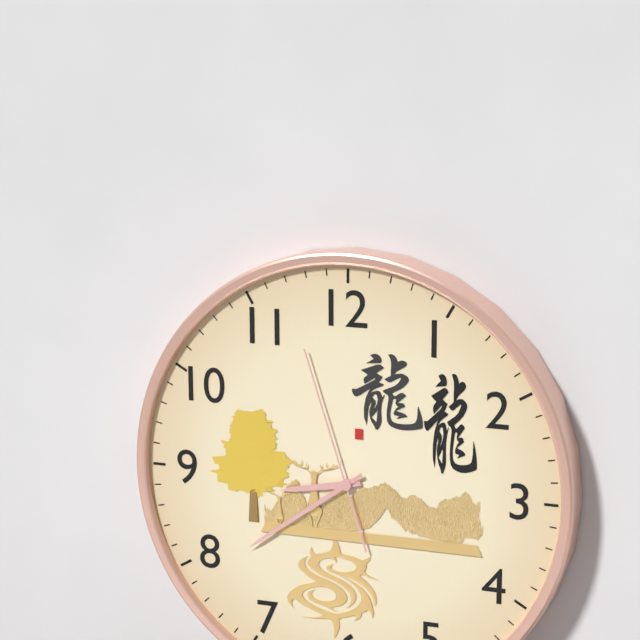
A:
8 h 39 min 57 s
